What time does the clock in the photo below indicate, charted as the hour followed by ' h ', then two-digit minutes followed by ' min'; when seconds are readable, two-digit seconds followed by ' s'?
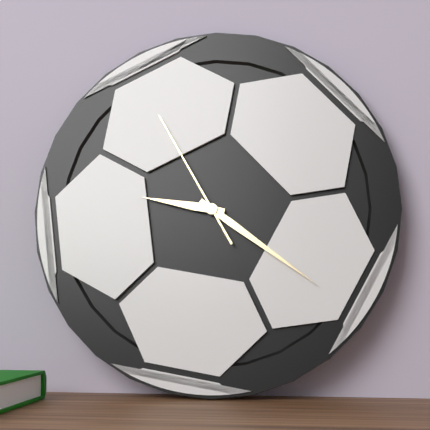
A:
9 h 21 min 55 s
